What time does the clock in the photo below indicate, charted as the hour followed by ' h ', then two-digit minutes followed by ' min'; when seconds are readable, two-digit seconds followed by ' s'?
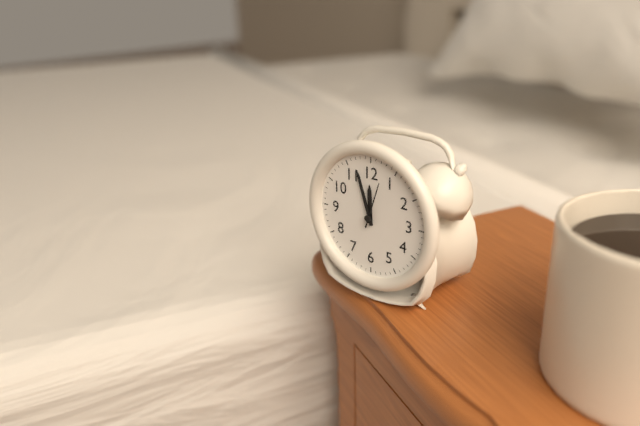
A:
11 h 57 min
